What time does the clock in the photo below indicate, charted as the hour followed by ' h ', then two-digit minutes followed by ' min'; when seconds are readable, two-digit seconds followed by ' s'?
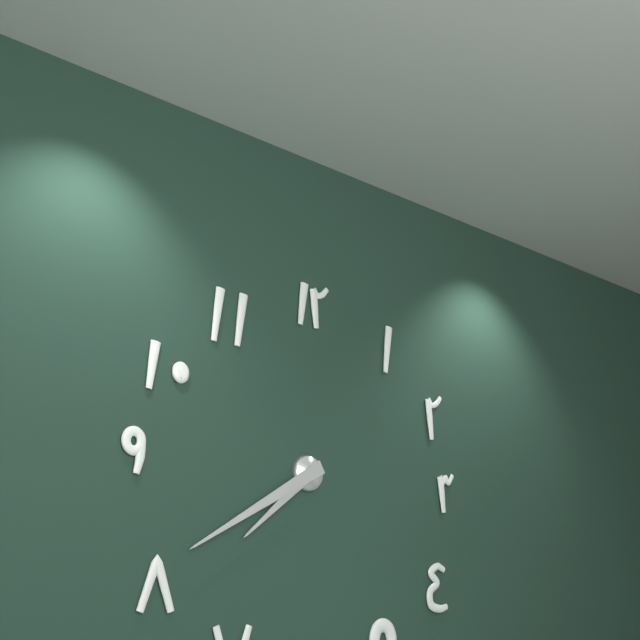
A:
7 h 40 min
